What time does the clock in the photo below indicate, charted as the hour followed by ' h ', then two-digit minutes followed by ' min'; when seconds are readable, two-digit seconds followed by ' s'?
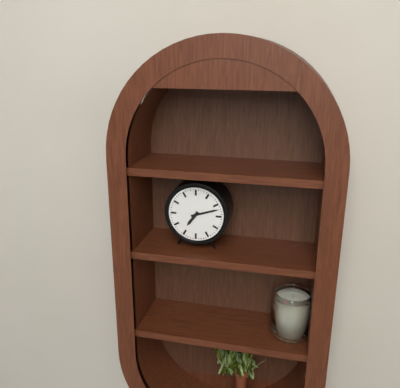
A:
7 h 12 min
